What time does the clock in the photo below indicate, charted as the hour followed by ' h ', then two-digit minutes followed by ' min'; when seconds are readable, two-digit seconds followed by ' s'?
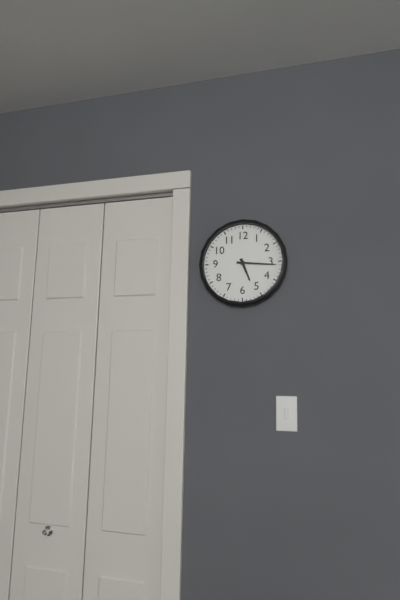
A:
5 h 16 min
